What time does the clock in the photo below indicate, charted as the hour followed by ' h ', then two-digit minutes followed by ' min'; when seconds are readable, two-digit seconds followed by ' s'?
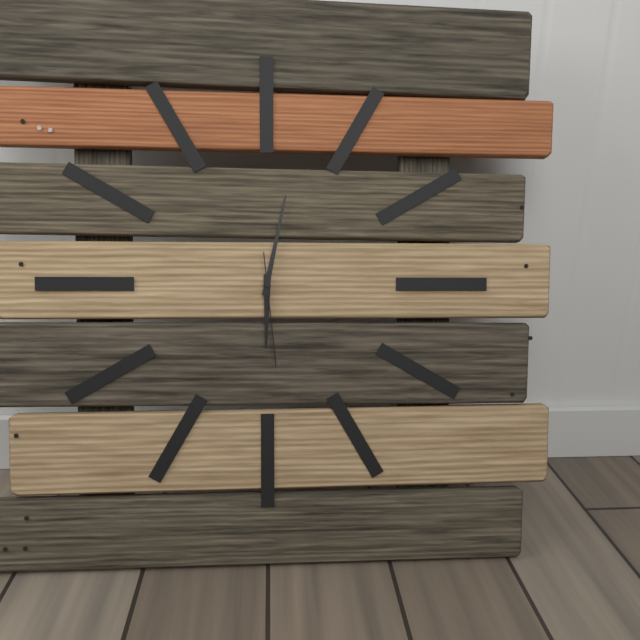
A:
6 h 02 min 29 s
